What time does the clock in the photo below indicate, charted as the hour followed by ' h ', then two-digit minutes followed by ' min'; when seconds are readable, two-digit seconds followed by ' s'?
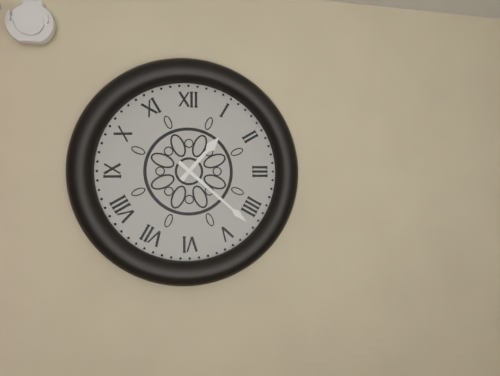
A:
1 h 22 min
